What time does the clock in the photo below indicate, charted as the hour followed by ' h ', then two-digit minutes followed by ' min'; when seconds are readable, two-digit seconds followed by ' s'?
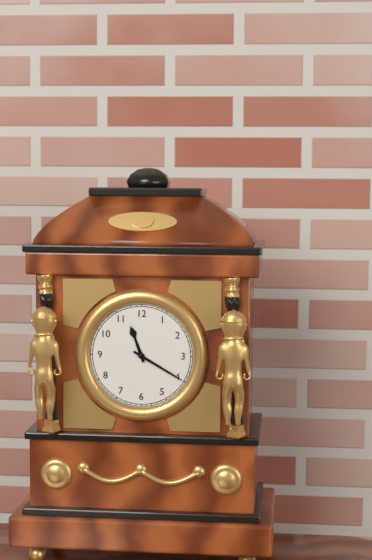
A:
11 h 20 min
